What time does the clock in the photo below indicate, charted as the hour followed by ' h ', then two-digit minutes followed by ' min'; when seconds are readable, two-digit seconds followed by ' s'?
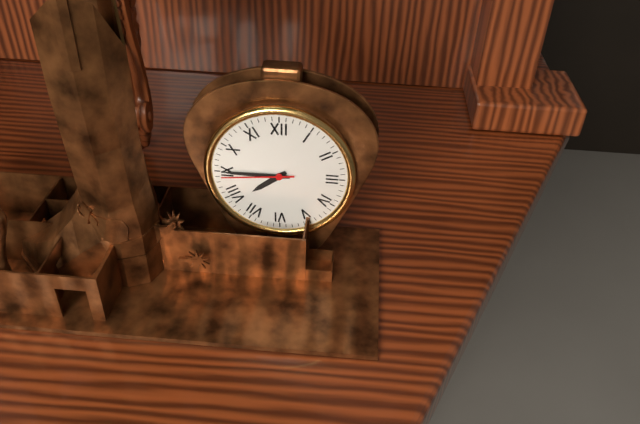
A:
7 h 45 min 44 s
